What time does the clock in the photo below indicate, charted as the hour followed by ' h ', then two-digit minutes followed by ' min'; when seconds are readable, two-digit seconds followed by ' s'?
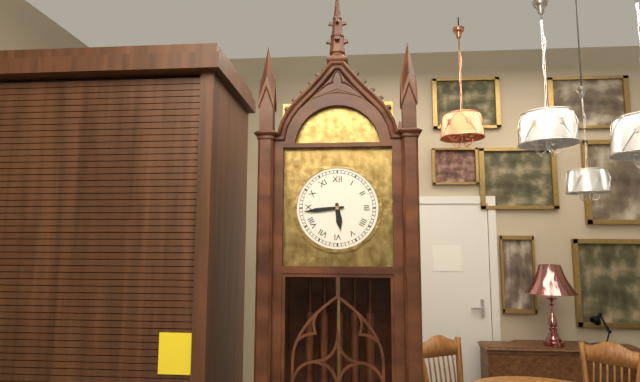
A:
5 h 44 min
